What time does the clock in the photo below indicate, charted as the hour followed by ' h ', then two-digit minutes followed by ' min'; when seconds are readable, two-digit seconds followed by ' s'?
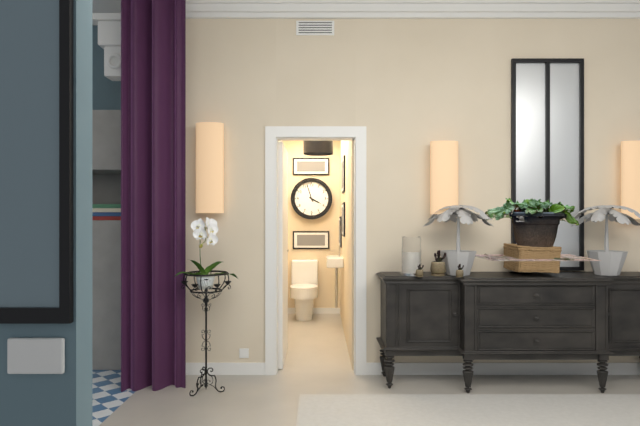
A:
3 h 57 min
